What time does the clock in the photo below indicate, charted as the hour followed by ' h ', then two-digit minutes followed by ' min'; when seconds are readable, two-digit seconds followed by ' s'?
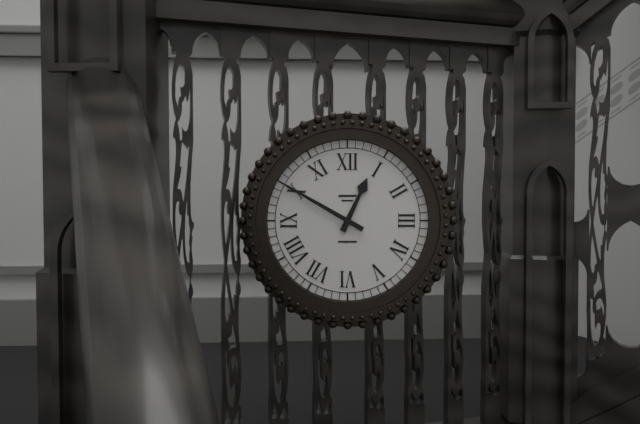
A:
12 h 50 min
